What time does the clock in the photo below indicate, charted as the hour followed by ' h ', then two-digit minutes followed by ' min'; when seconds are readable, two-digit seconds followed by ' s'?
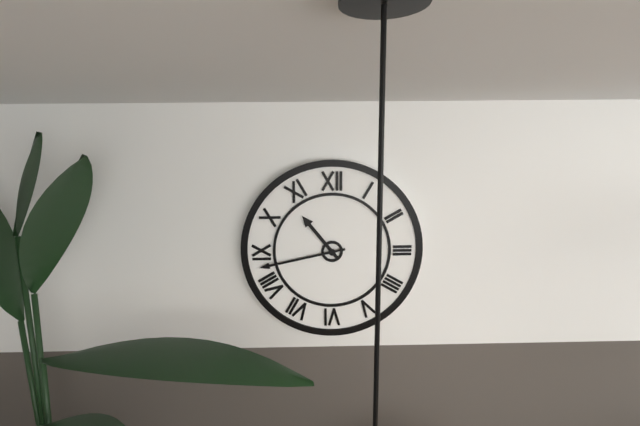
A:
10 h 43 min
